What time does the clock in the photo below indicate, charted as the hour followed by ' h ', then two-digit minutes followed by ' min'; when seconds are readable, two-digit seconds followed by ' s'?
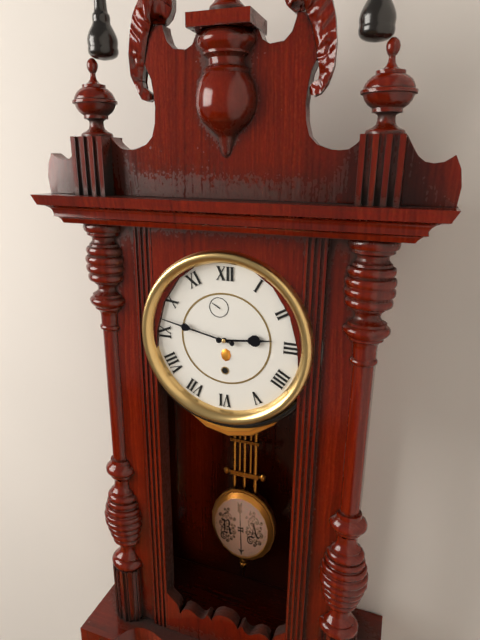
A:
2 h 47 min
